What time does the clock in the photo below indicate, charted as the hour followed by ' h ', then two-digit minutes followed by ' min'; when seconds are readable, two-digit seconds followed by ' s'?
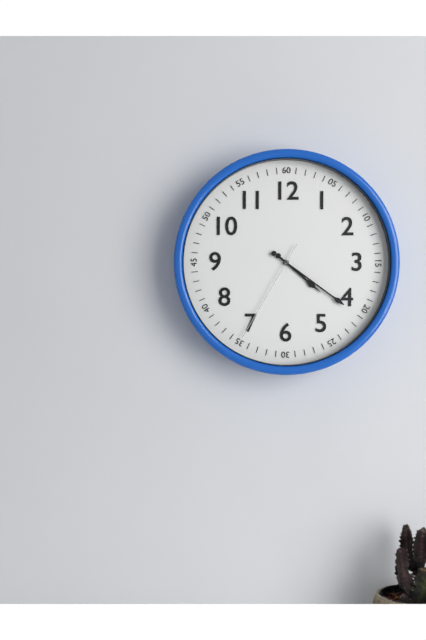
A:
4 h 21 min 35 s
